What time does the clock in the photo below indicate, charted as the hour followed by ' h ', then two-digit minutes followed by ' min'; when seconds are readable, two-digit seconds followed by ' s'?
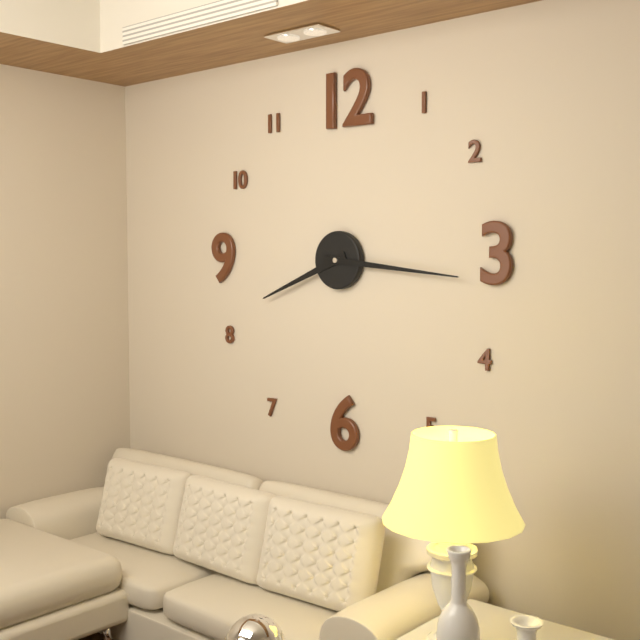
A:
8 h 16 min
